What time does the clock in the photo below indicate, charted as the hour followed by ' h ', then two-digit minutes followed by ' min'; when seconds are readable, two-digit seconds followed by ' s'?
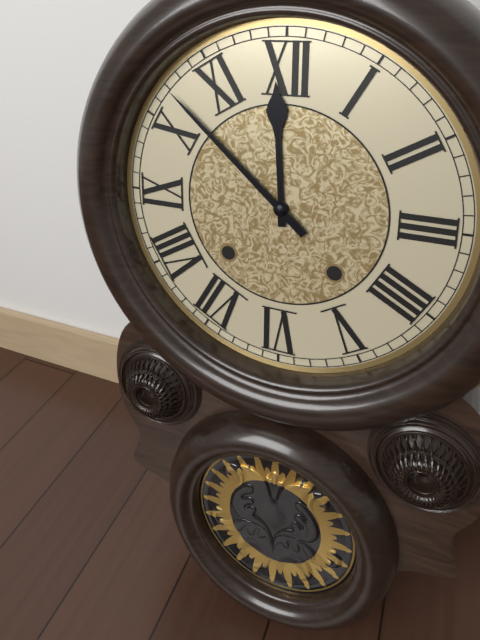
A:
11 h 52 min
